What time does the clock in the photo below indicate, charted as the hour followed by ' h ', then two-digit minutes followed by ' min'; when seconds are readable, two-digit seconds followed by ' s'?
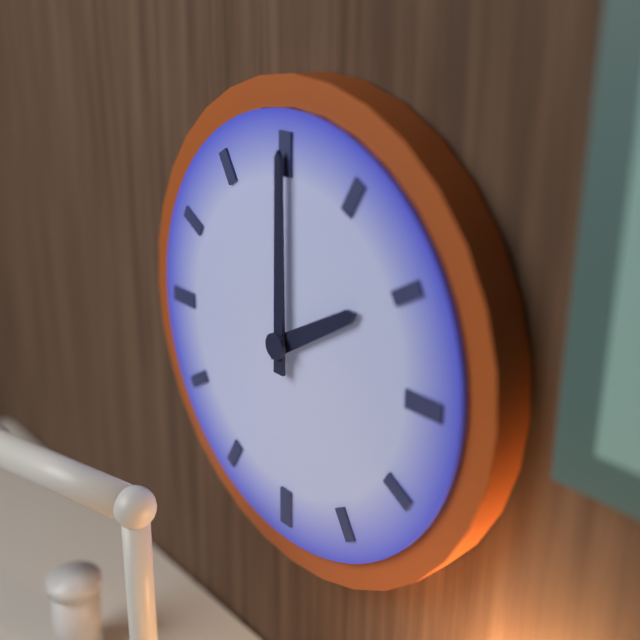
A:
2 h 00 min
